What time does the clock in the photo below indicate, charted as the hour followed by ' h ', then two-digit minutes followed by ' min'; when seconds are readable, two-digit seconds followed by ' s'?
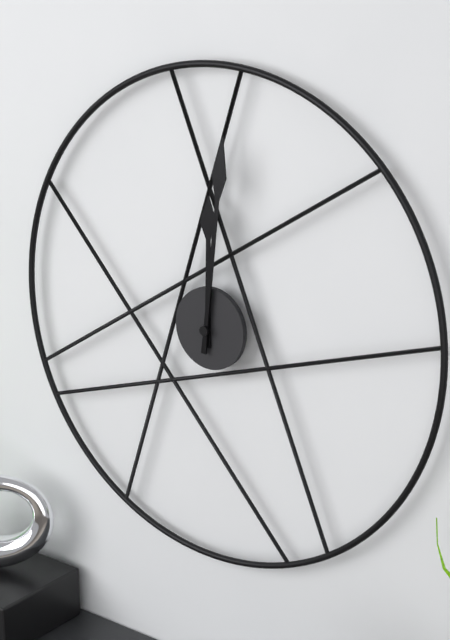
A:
12 h 01 min
